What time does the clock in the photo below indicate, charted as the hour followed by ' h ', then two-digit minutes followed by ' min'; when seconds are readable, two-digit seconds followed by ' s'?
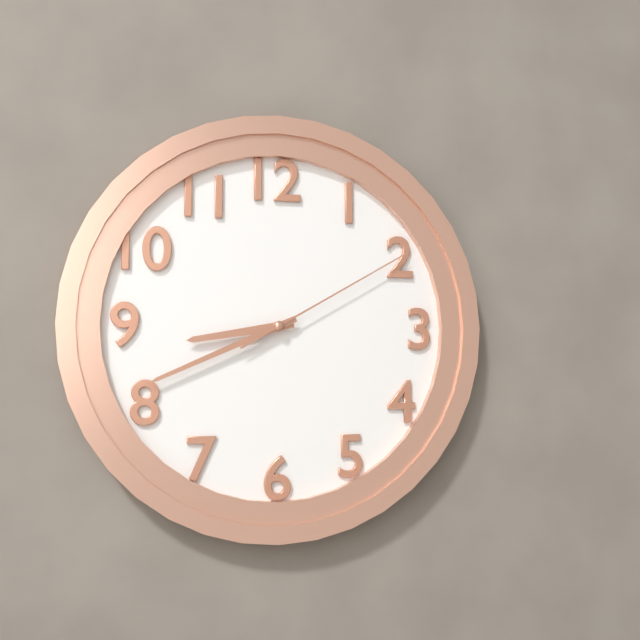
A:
8 h 41 min 10 s
